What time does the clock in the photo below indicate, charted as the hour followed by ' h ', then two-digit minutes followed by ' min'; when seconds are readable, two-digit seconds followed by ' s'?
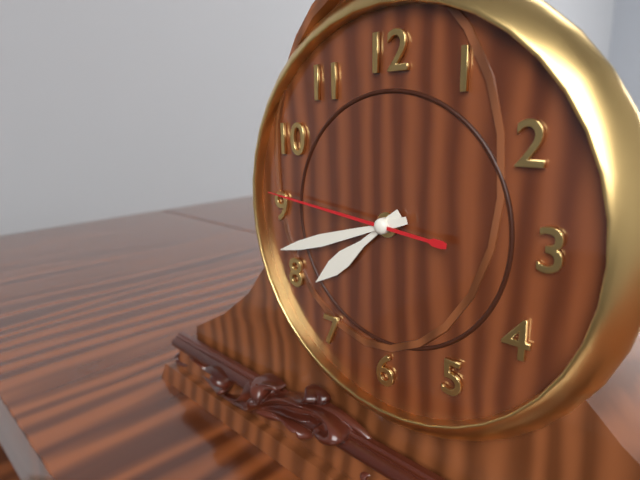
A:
7 h 42 min 46 s
